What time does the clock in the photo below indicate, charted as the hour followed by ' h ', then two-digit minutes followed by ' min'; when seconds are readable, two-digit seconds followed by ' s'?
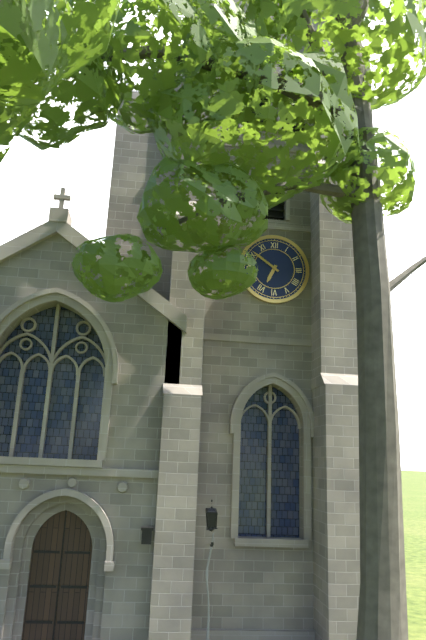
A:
6 h 51 min
